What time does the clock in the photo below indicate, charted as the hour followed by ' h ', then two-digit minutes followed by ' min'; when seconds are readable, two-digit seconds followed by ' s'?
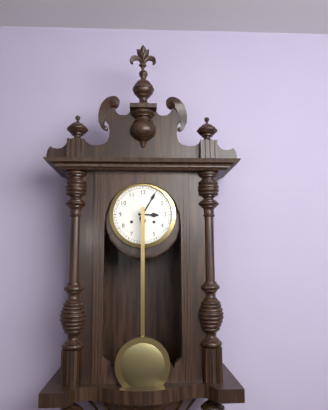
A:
3 h 05 min
